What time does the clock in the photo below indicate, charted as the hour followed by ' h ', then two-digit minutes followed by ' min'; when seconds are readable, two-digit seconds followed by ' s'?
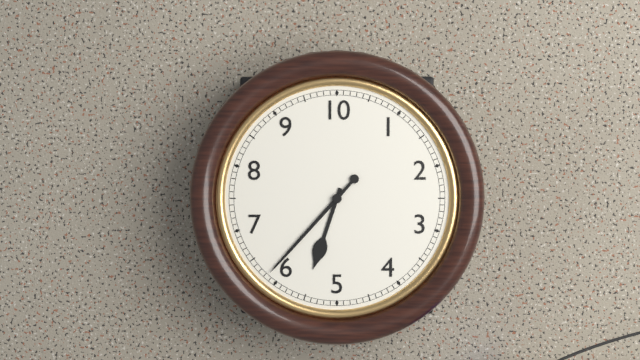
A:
6 h 37 min
